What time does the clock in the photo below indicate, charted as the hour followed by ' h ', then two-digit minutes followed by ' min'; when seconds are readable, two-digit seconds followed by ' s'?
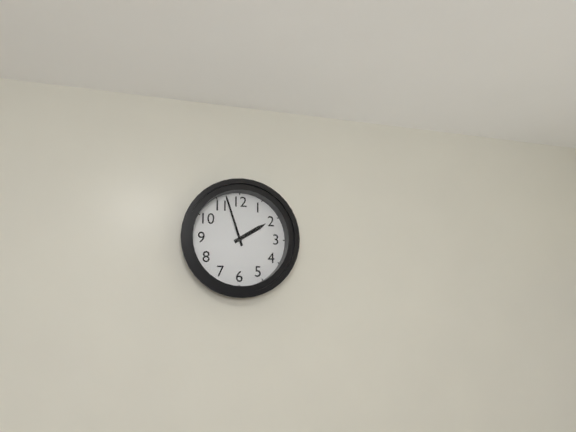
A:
1 h 57 min
